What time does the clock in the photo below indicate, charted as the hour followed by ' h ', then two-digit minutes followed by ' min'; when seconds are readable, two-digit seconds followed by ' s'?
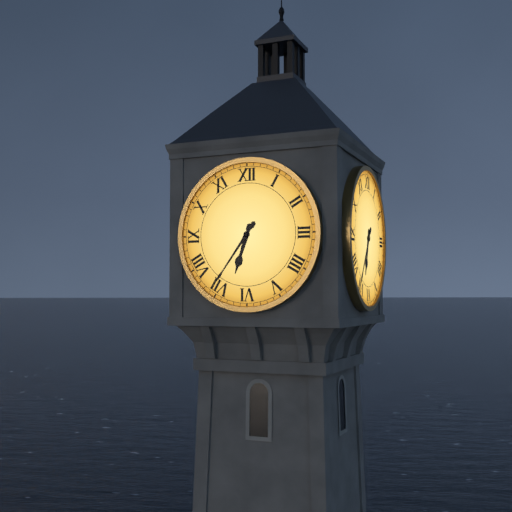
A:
6 h 36 min
